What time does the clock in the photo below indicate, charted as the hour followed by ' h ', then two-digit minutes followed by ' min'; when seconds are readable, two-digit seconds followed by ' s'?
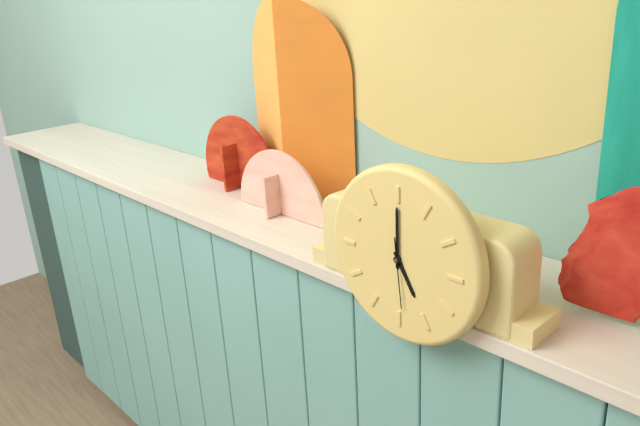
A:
5 h 00 min 29 s
